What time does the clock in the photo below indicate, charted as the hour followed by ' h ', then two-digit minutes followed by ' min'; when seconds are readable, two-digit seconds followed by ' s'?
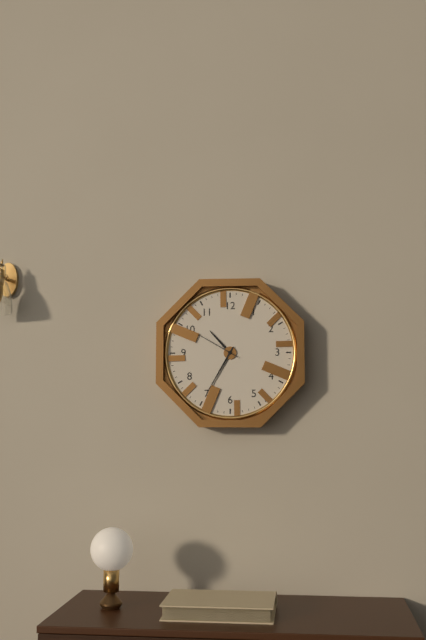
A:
10 h 35 min
